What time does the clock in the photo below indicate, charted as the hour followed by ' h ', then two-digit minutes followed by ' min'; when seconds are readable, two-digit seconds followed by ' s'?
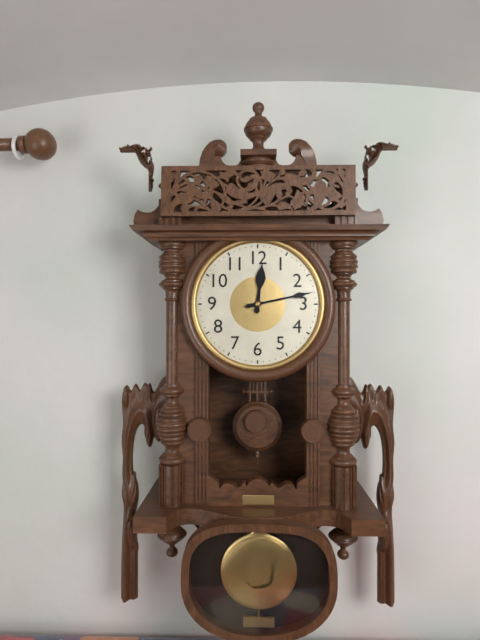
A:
12 h 13 min
